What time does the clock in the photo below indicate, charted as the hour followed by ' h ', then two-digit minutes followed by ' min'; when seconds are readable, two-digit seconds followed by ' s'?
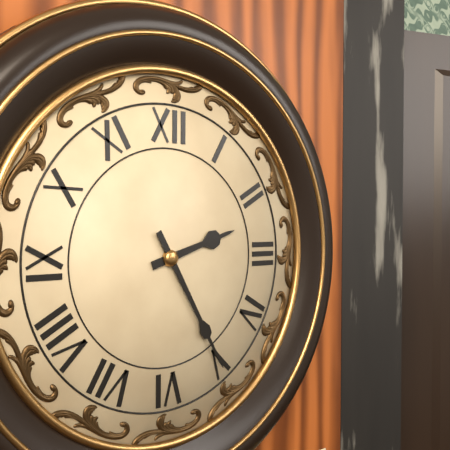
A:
2 h 25 min
